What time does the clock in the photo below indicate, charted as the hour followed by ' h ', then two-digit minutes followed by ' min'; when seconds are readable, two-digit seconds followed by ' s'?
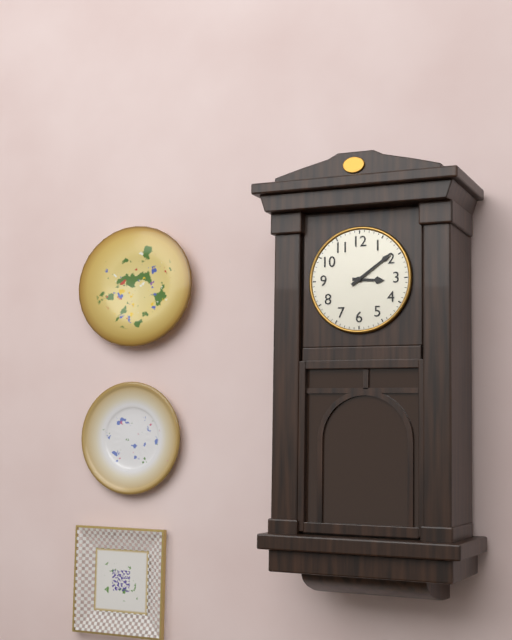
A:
3 h 09 min
